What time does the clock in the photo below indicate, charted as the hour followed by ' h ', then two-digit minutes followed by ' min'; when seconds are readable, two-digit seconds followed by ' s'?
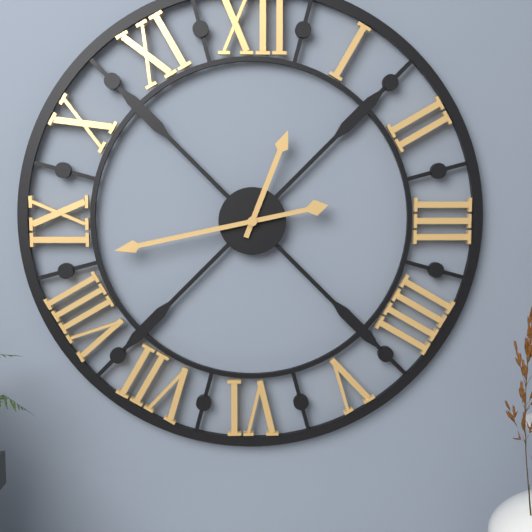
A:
12 h 43 min
